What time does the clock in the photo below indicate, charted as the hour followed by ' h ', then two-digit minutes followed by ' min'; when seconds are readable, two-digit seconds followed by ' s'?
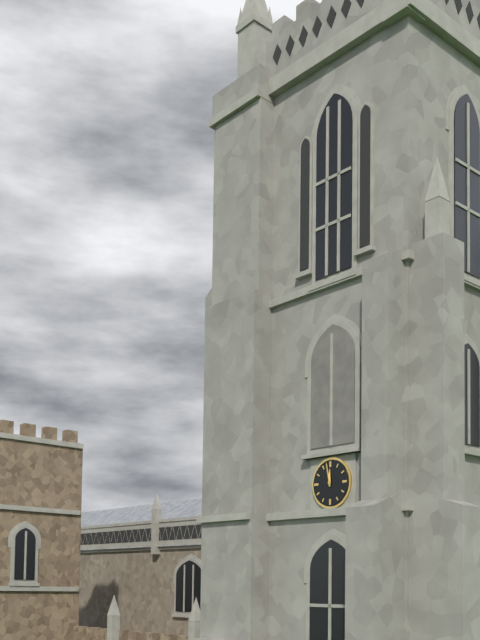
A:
11 h 58 min
